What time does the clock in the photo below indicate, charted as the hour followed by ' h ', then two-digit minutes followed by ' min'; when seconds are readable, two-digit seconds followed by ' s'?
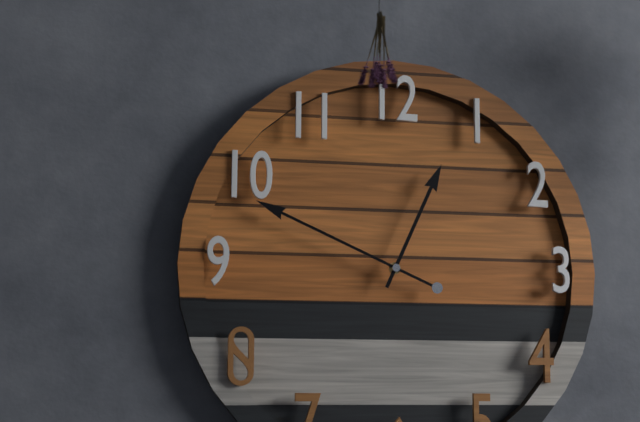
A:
12 h 49 min
